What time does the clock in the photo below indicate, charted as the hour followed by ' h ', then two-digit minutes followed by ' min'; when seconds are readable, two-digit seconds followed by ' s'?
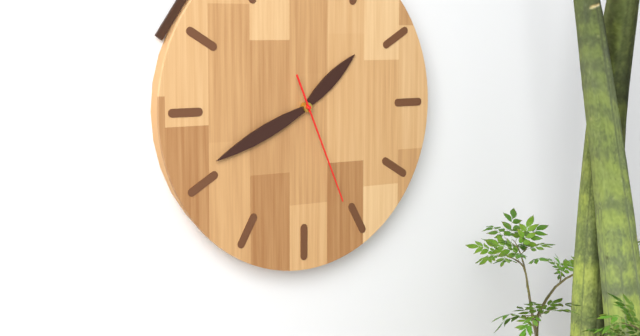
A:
1 h 41 min 26 s
